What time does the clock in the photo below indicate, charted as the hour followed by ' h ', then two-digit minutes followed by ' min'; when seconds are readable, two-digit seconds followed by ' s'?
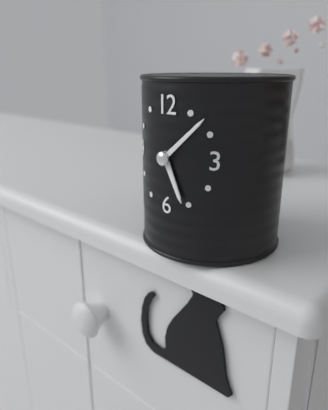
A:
5 h 08 min
